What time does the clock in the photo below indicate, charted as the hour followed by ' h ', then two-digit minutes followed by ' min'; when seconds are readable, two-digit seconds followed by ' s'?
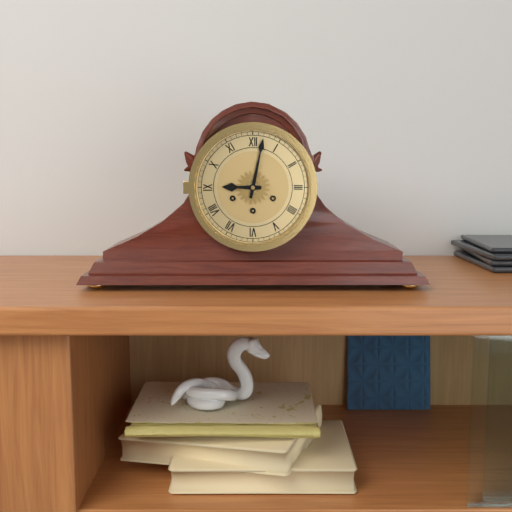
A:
9 h 02 min
